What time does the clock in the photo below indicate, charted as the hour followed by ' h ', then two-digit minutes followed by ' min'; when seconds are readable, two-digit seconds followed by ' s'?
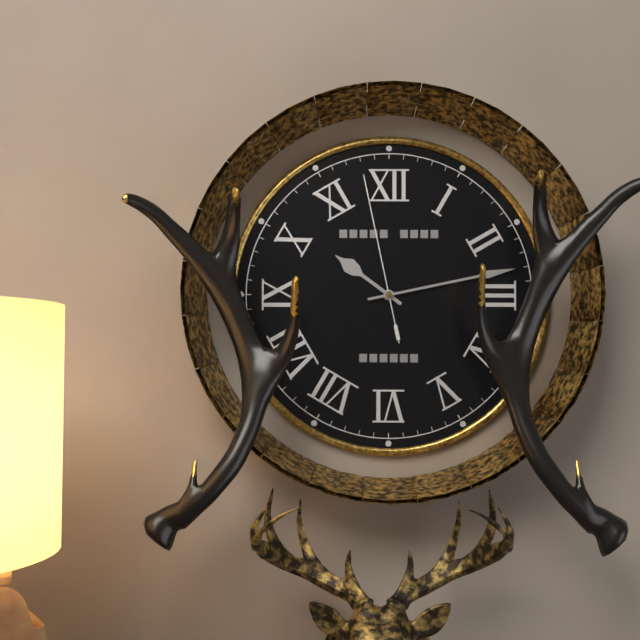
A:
10 h 13 min 58 s
